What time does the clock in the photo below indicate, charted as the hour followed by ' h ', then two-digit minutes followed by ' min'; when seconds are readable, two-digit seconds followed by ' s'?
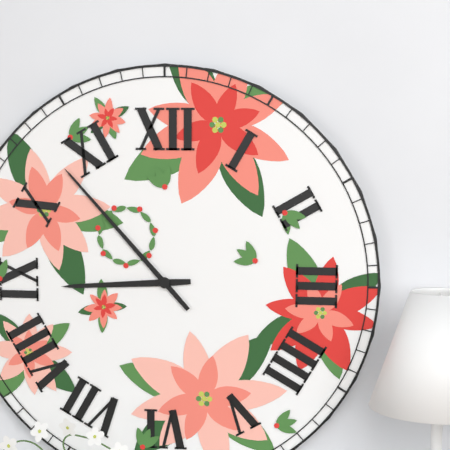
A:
8 h 53 min
